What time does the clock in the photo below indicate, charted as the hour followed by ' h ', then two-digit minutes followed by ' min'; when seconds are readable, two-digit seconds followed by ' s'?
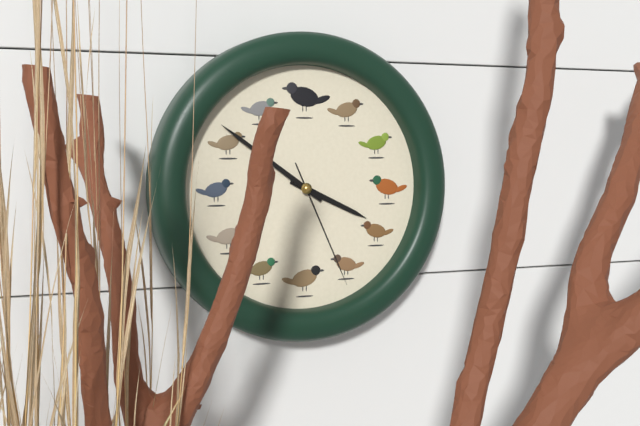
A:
3 h 51 min 26 s
